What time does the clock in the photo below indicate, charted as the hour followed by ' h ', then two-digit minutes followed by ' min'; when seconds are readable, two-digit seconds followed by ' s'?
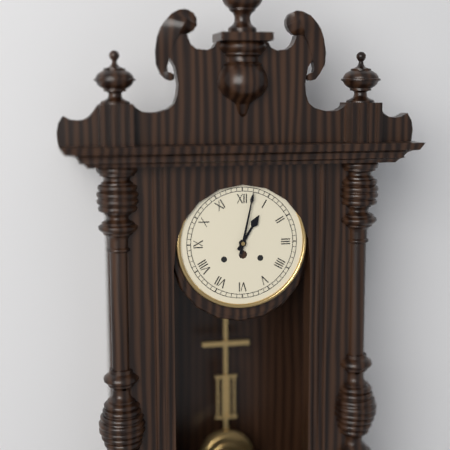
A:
1 h 02 min
